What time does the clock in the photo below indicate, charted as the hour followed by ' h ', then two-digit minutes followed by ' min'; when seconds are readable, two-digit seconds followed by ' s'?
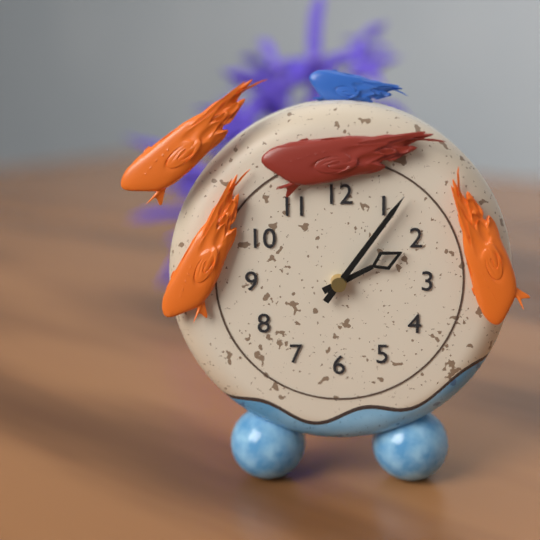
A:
2 h 06 min
